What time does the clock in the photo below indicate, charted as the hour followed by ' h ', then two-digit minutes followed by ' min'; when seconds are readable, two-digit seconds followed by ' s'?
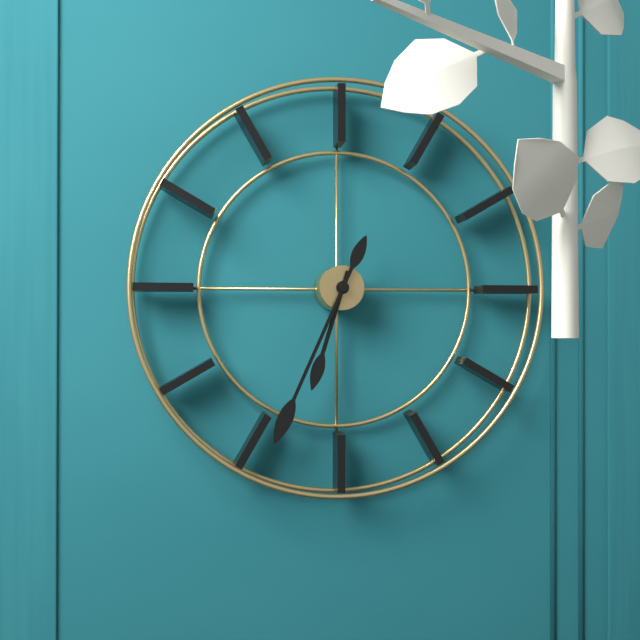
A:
6 h 34 min
